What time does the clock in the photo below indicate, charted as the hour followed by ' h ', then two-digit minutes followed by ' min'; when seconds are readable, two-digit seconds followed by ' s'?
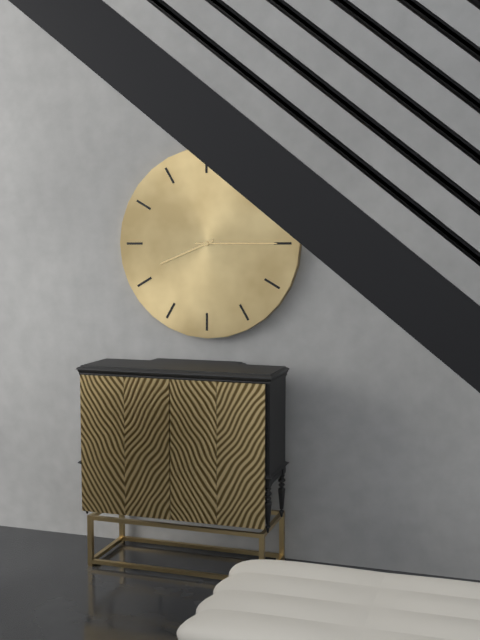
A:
8 h 15 min
